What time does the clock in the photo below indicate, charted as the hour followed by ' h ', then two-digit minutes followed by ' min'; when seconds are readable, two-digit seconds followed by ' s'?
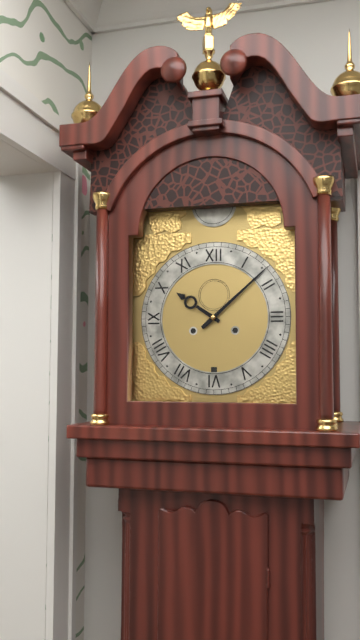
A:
10 h 08 min
